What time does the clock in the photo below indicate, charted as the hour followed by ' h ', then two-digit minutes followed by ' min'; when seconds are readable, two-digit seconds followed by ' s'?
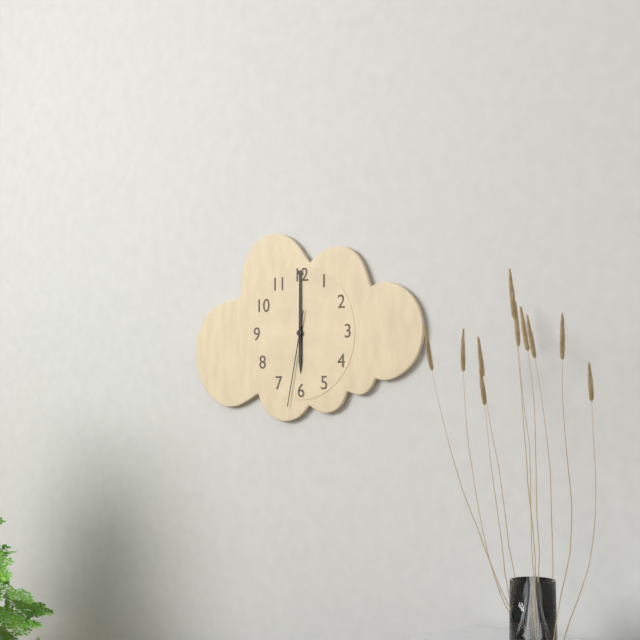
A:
6 h 00 min 32 s
